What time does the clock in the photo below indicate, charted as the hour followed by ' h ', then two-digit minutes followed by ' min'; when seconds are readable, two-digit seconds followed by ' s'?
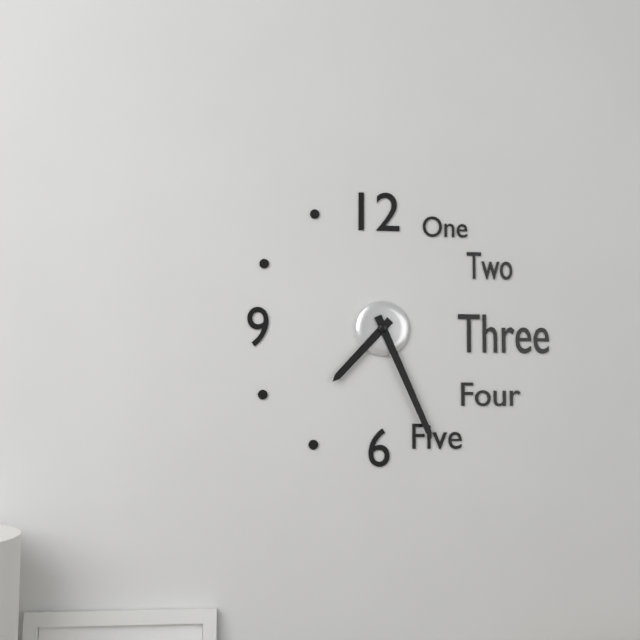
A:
7 h 26 min
